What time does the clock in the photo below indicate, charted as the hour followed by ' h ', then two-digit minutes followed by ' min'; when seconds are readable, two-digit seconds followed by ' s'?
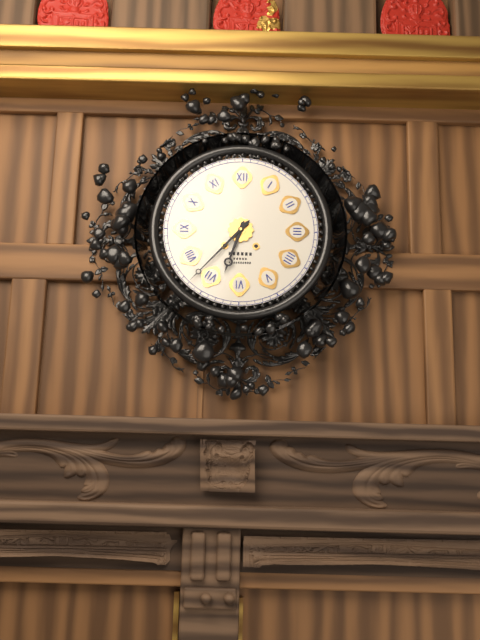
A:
6 h 37 min
